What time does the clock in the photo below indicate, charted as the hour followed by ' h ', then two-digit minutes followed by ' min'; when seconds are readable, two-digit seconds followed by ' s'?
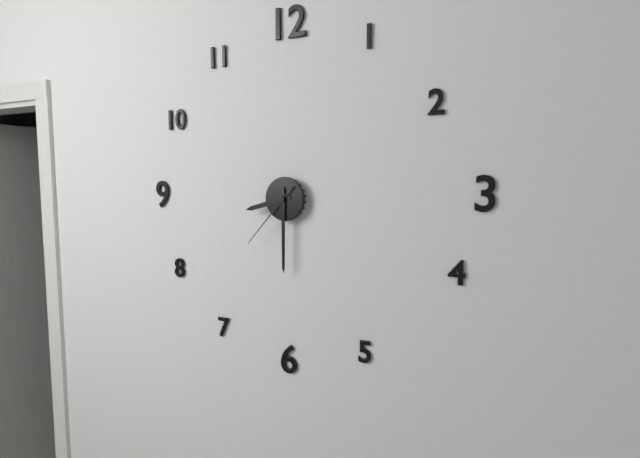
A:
8 h 30 min 37 s
